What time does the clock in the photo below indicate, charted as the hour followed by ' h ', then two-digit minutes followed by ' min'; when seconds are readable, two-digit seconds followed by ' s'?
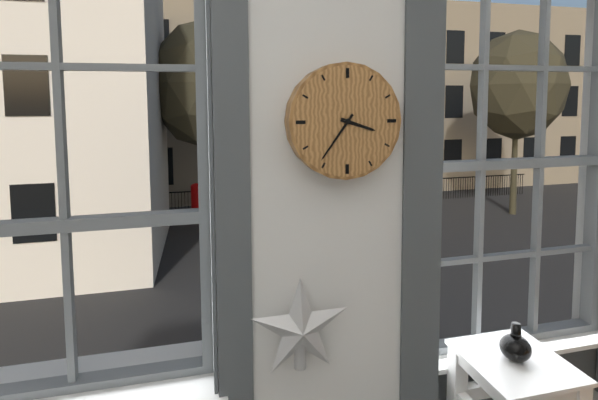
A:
3 h 36 min
